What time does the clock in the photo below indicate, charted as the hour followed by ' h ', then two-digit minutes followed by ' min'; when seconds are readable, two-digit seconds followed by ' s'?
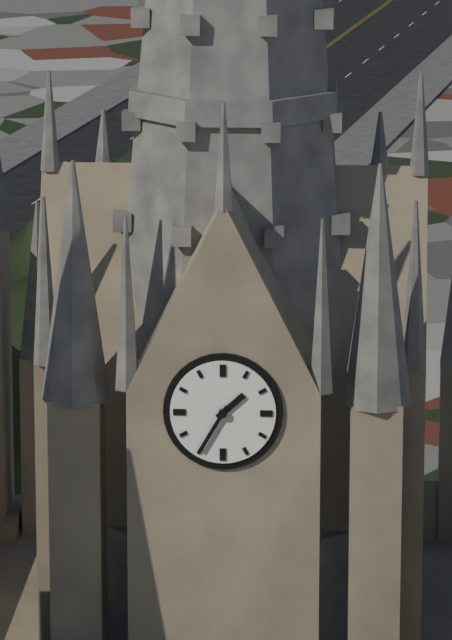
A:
1 h 35 min
